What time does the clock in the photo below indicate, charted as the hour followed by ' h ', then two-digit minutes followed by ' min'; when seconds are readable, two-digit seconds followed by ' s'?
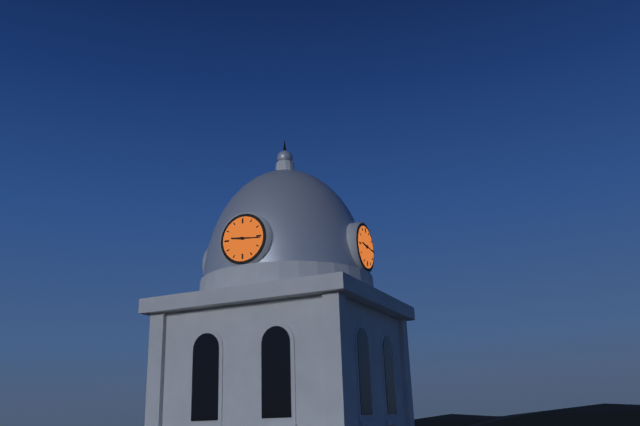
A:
9 h 16 min
